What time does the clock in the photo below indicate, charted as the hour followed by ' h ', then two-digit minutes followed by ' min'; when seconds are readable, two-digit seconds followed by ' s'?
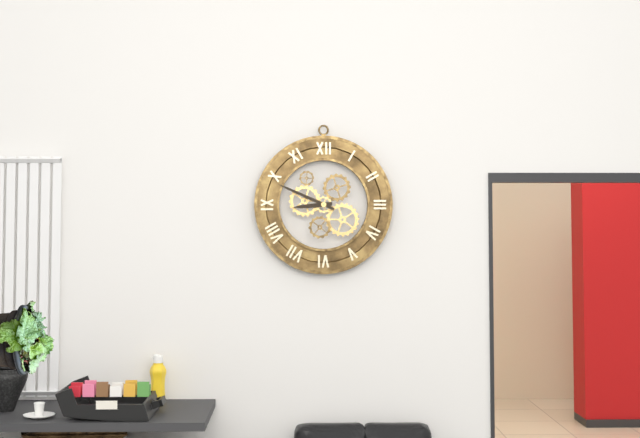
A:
8 h 49 min
